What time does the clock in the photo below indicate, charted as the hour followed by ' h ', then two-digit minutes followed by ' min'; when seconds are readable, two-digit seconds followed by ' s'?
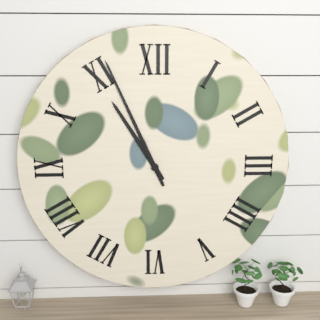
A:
10 h 56 min
